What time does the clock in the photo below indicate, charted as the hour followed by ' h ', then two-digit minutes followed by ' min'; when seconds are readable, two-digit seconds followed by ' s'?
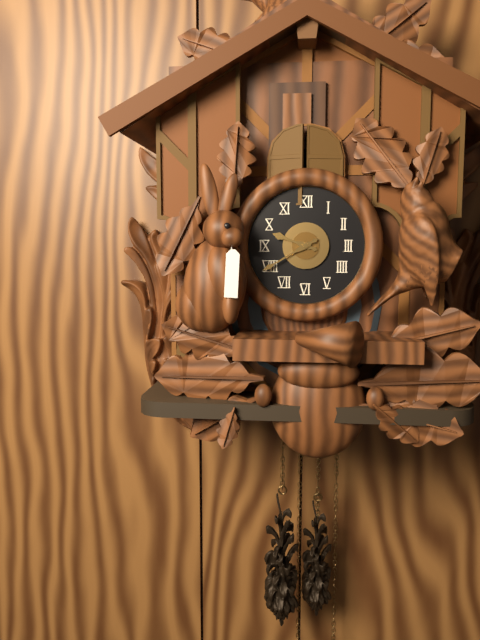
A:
9 h 40 min
